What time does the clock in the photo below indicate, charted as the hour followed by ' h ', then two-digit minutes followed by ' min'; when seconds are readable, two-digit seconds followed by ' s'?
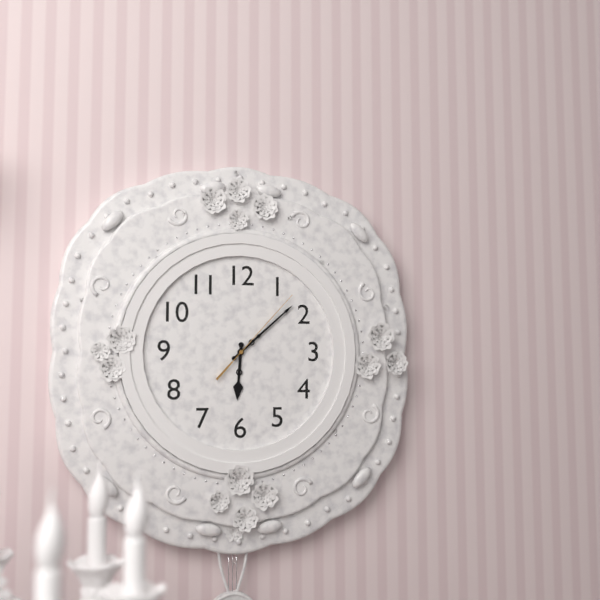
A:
6 h 08 min 07 s
